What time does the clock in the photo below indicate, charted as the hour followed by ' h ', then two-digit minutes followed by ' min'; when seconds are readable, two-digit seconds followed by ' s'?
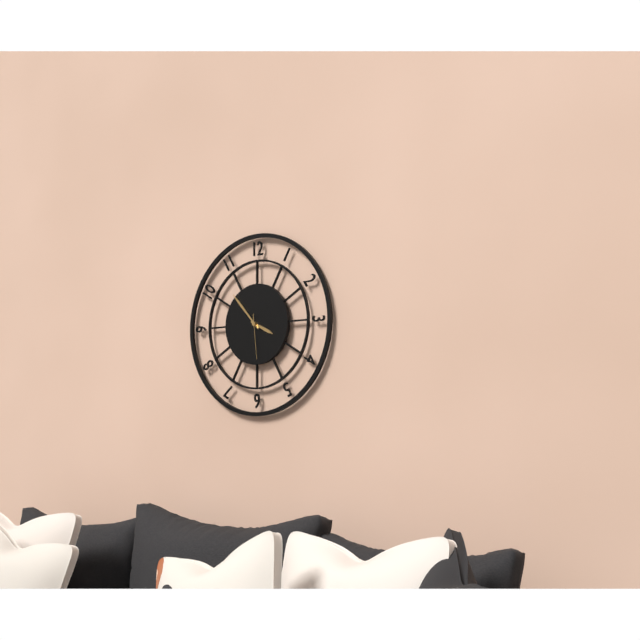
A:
3 h 53 min
